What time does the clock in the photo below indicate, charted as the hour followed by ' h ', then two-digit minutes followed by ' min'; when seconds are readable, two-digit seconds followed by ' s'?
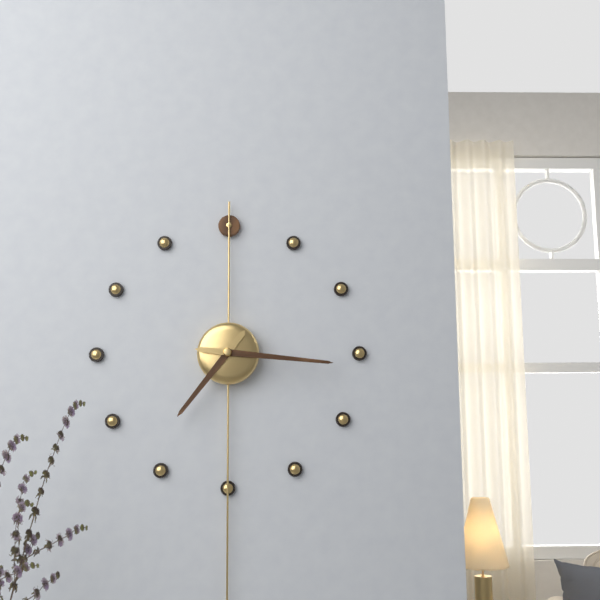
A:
7 h 16 min
